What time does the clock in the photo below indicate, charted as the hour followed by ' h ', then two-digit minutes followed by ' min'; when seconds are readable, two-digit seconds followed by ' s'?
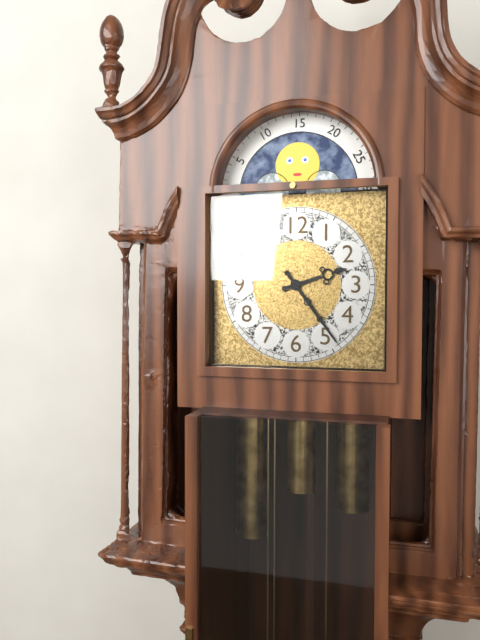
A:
2 h 24 min
